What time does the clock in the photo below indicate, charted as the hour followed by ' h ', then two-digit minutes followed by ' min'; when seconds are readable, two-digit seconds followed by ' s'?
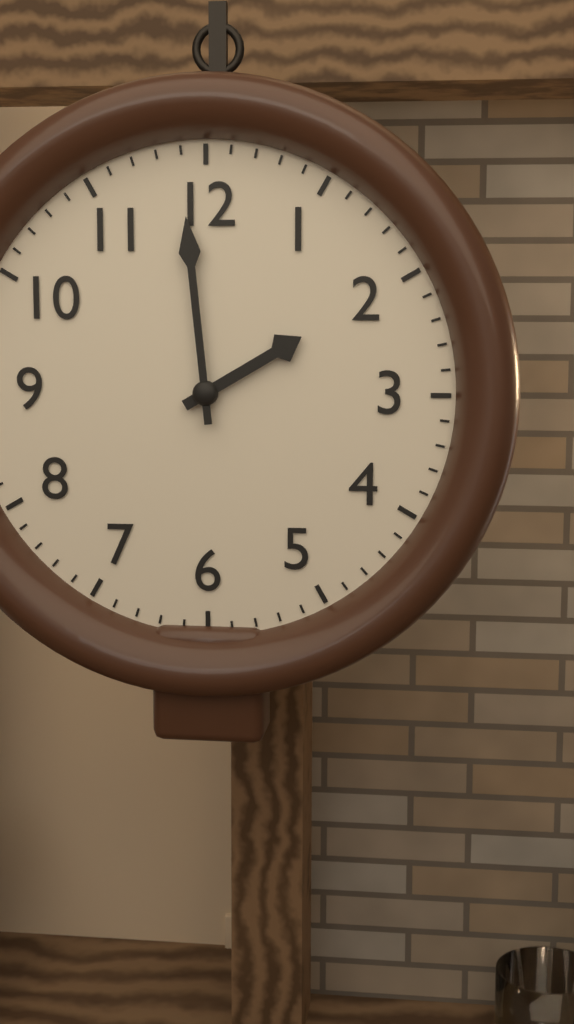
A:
1 h 59 min
